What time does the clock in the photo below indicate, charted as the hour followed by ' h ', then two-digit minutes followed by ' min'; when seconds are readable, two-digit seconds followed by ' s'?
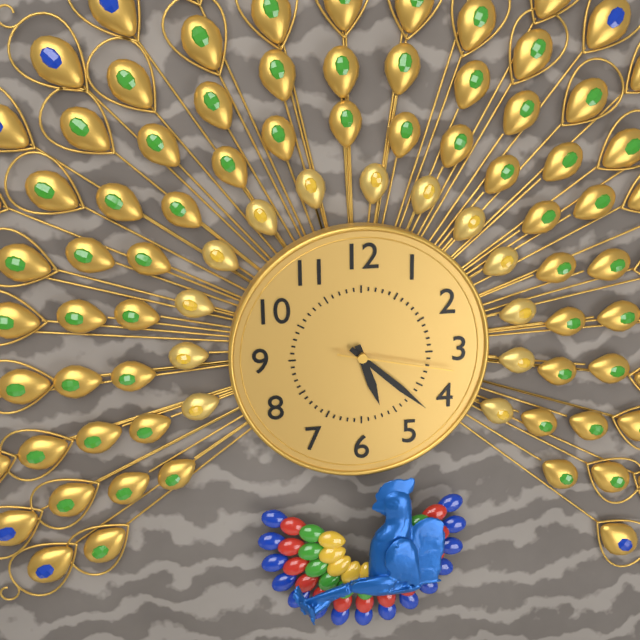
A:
5 h 22 min 17 s
